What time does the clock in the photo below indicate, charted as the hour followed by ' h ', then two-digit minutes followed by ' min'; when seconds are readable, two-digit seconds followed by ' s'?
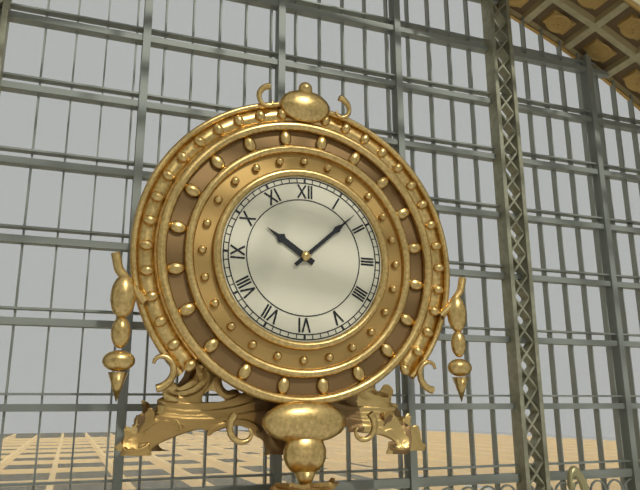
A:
10 h 08 min
